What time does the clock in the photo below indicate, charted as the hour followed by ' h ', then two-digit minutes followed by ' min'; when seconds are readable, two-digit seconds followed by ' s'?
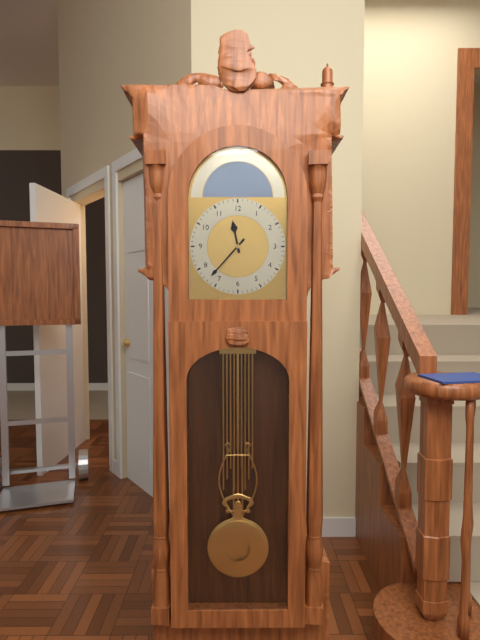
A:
11 h 37 min
